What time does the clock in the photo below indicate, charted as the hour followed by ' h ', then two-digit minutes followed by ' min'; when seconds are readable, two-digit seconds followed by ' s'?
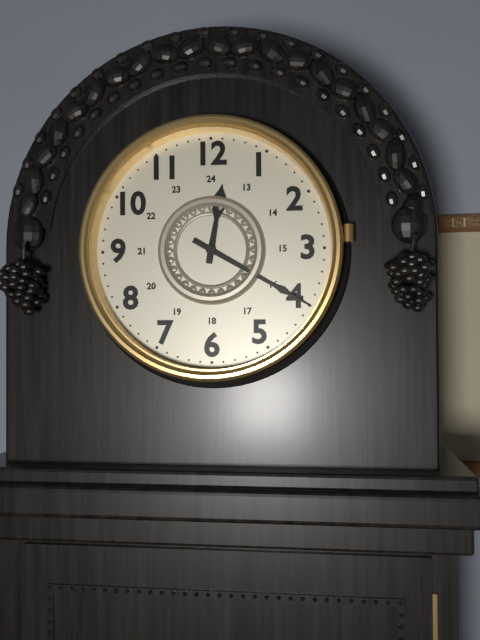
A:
12 h 20 min
